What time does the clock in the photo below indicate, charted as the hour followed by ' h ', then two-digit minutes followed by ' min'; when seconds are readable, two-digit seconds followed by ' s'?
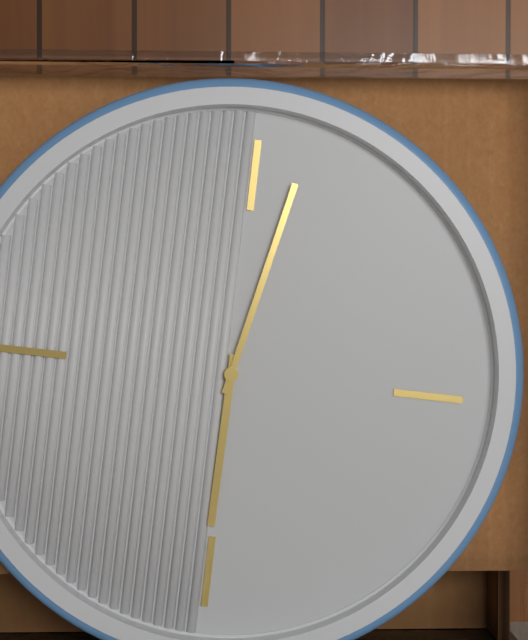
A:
6 h 02 min
